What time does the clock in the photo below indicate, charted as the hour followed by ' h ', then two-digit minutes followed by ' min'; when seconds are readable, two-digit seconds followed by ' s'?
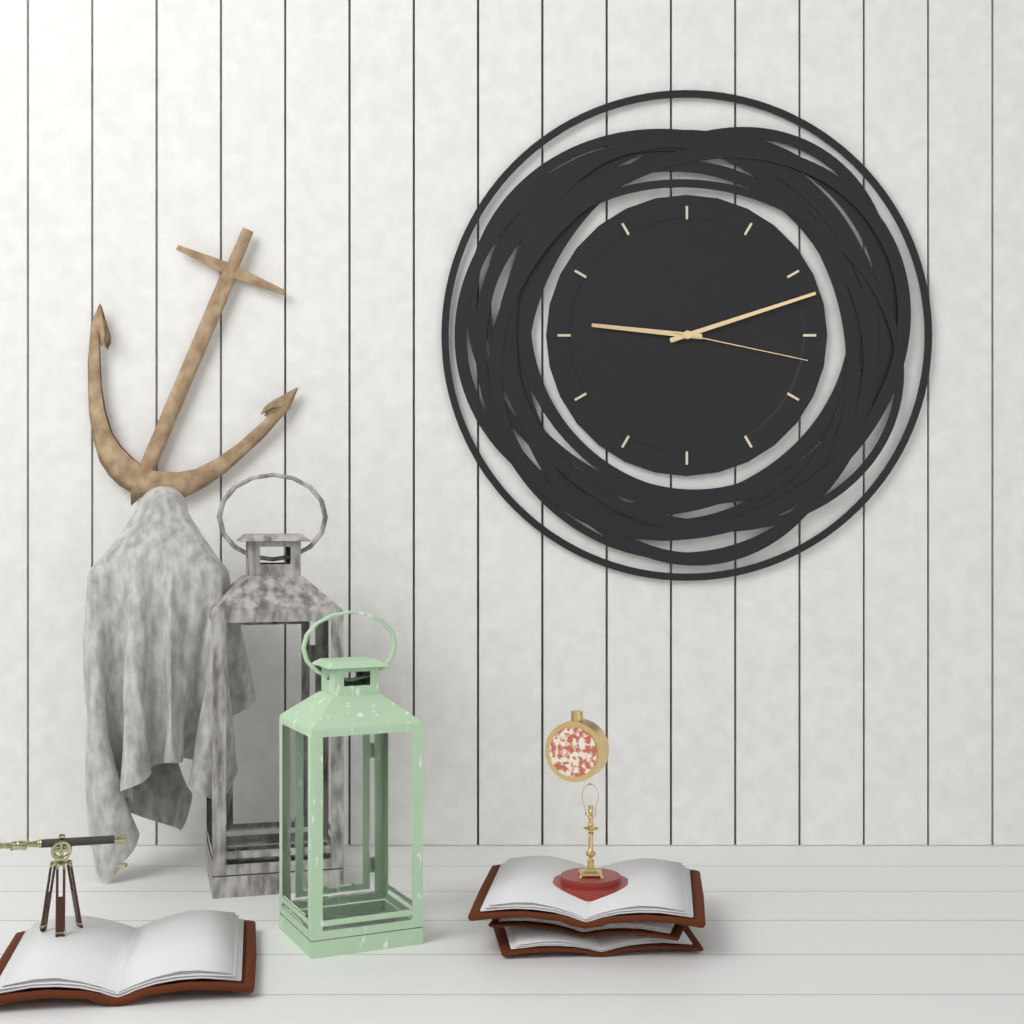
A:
9 h 12 min 17 s
